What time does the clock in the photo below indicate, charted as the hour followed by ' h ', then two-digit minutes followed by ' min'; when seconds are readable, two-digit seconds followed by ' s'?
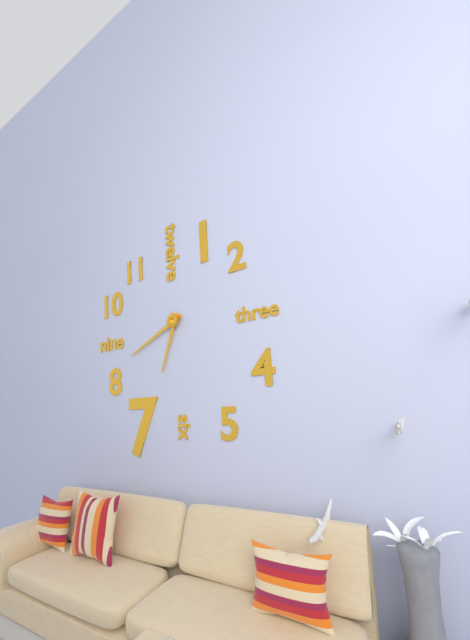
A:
6 h 41 min
